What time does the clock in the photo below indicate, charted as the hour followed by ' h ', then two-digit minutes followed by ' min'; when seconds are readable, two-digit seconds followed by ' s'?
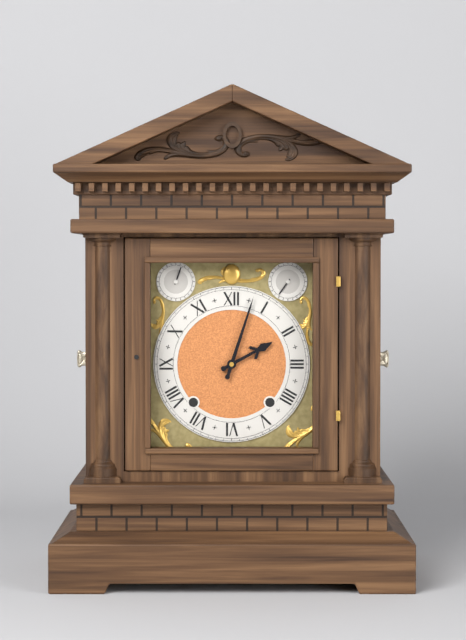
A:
2 h 03 min
